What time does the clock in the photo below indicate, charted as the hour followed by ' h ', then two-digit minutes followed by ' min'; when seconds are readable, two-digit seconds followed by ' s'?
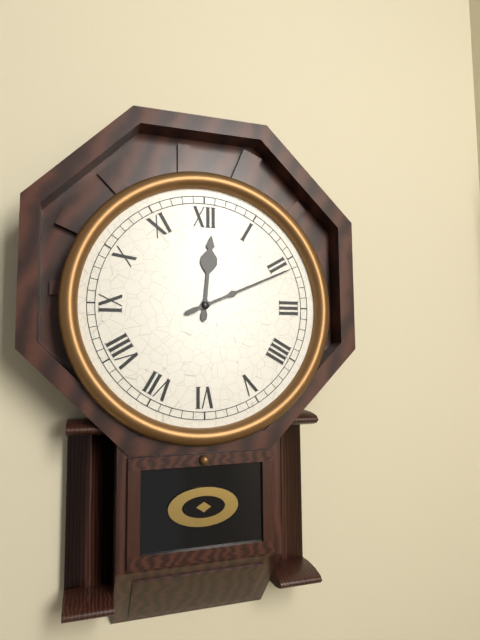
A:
12 h 11 min
